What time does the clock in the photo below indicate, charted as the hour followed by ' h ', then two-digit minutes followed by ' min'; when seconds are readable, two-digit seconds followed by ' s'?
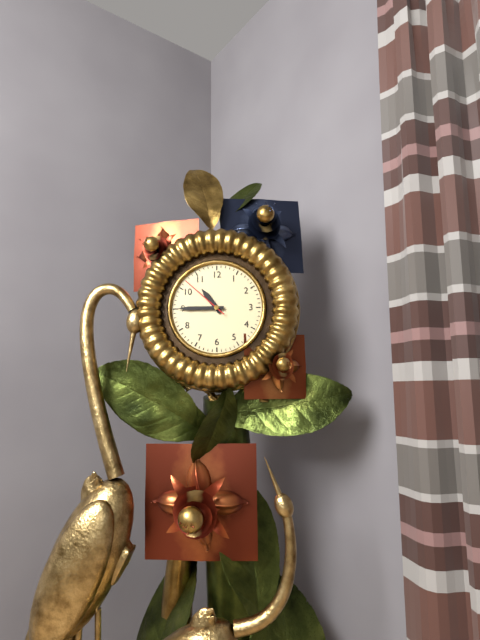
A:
10 h 45 min 52 s
